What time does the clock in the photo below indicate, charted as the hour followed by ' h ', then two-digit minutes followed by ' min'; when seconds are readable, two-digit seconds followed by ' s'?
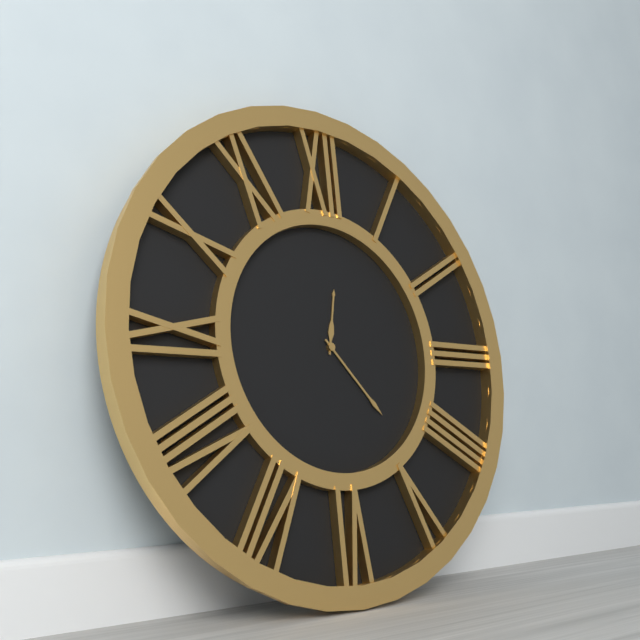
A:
12 h 23 min
